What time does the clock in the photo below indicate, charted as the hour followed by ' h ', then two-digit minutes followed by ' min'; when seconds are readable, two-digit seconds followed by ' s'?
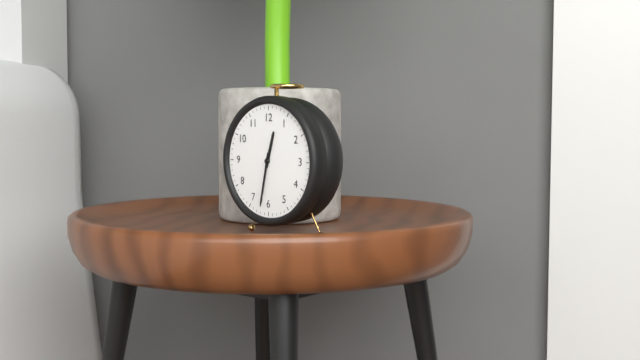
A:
12 h 32 min
